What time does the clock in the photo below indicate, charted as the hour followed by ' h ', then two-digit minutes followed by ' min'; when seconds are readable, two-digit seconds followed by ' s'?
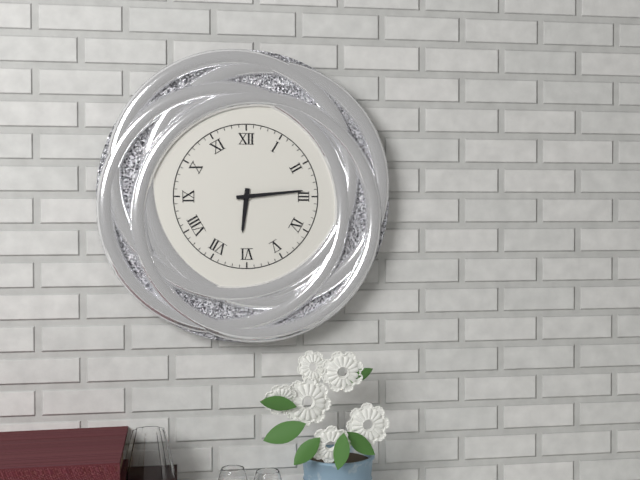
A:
6 h 14 min
